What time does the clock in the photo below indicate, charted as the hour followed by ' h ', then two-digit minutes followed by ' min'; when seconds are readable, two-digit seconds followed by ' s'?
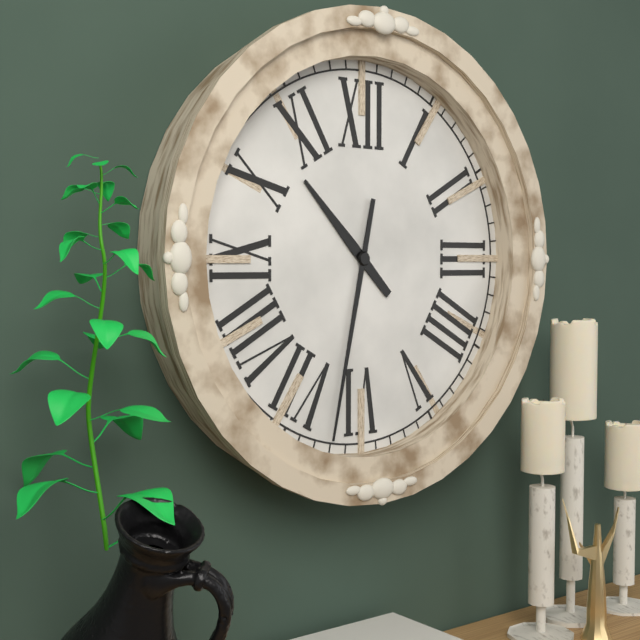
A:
10 h 32 min
